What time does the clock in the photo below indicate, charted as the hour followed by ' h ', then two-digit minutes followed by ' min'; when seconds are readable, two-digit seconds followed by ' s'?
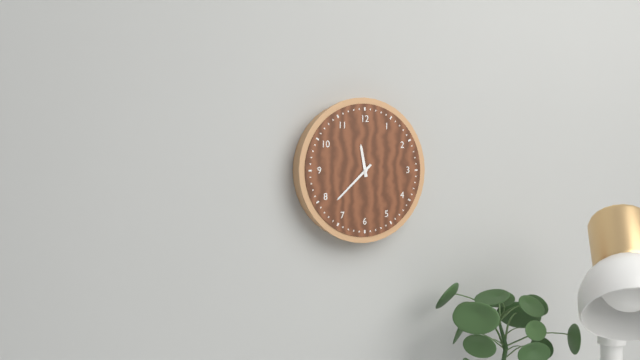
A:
11 h 38 min
